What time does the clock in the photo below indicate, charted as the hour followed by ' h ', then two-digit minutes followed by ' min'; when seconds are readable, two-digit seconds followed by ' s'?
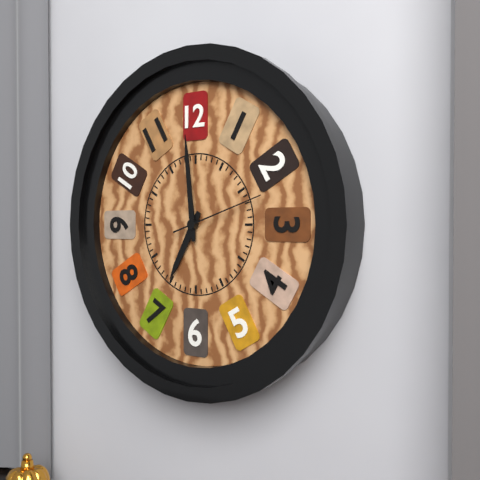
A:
6 h 59 min 12 s
